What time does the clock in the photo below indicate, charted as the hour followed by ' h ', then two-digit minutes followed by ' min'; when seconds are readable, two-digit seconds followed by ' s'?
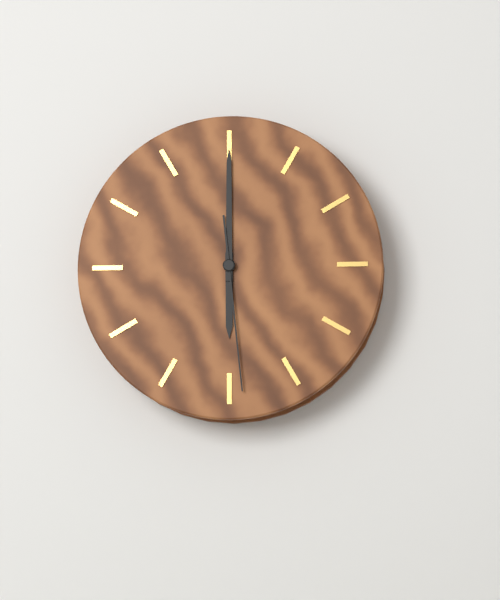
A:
6 h 00 min 29 s
